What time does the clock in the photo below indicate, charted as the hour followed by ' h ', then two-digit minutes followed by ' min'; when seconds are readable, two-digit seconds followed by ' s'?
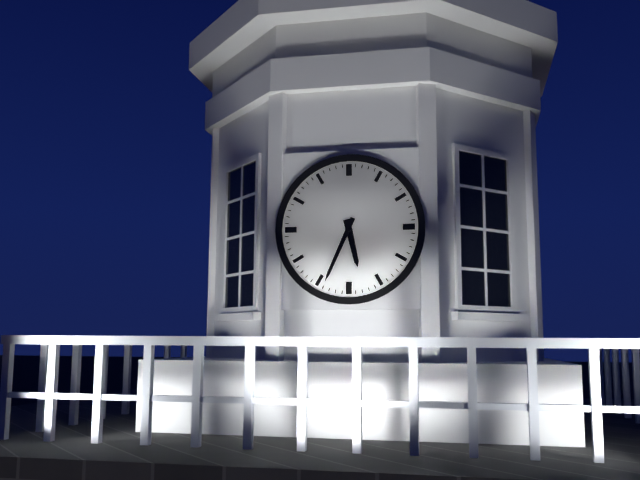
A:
5 h 34 min
